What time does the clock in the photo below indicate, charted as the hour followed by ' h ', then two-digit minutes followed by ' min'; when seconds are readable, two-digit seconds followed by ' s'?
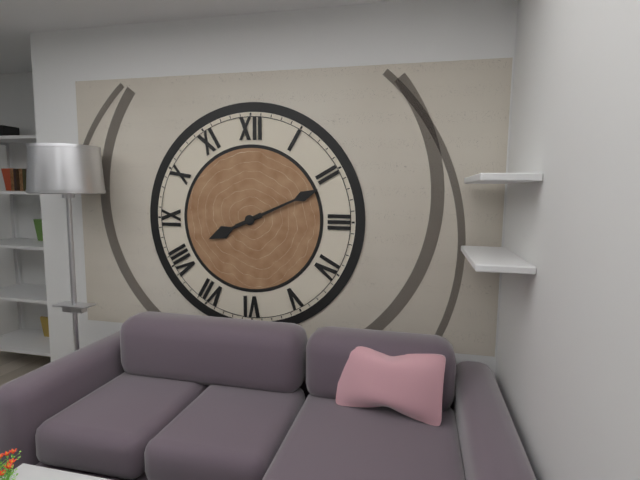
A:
8 h 11 min
